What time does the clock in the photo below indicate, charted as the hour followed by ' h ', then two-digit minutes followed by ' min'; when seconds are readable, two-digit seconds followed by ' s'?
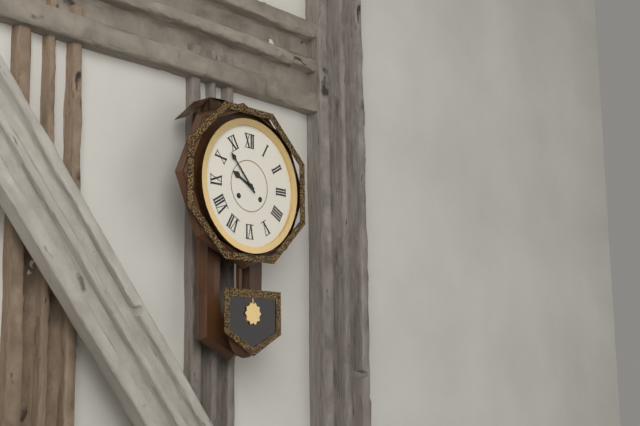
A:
9 h 53 min
